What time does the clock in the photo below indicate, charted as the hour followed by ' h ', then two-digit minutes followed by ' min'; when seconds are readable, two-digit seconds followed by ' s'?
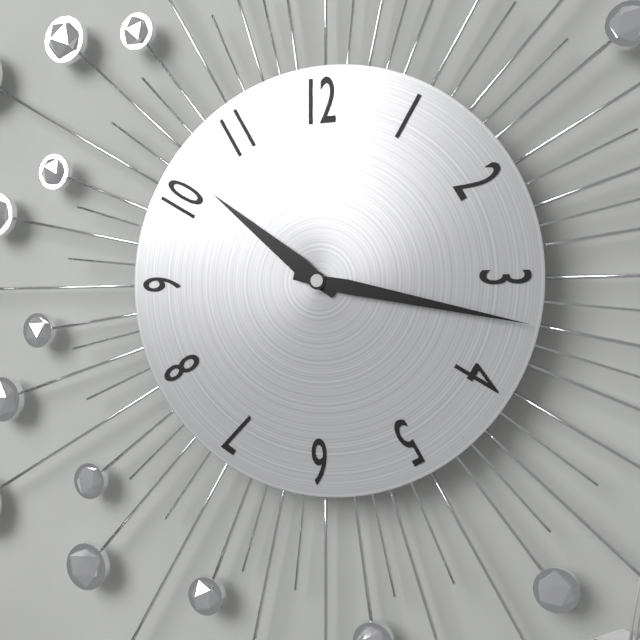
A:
10 h 17 min
